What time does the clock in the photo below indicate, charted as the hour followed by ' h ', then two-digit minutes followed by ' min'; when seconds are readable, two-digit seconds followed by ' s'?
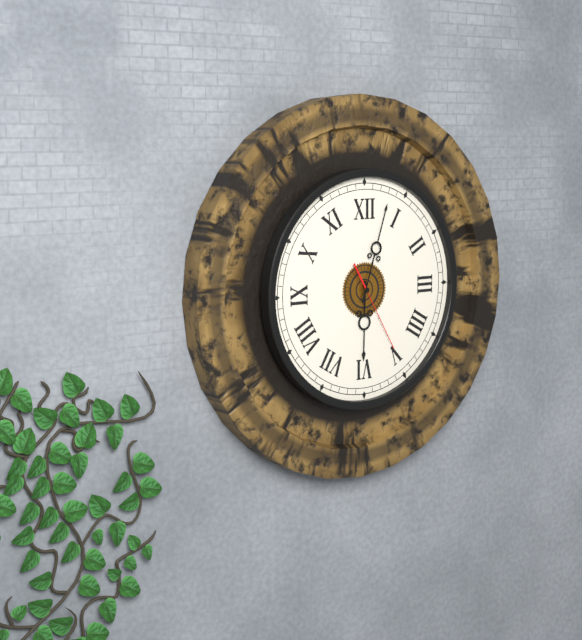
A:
6 h 03 min 25 s
